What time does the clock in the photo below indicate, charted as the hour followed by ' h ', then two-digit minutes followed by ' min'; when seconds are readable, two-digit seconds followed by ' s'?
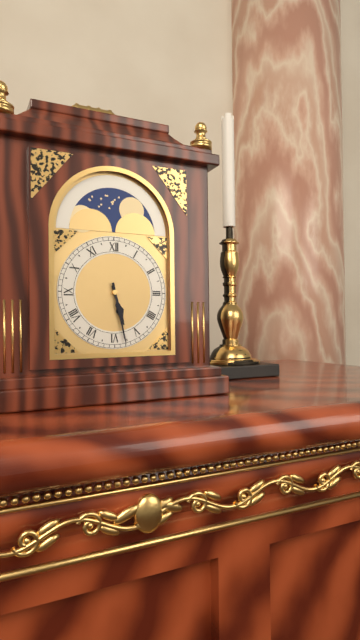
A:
5 h 28 min
